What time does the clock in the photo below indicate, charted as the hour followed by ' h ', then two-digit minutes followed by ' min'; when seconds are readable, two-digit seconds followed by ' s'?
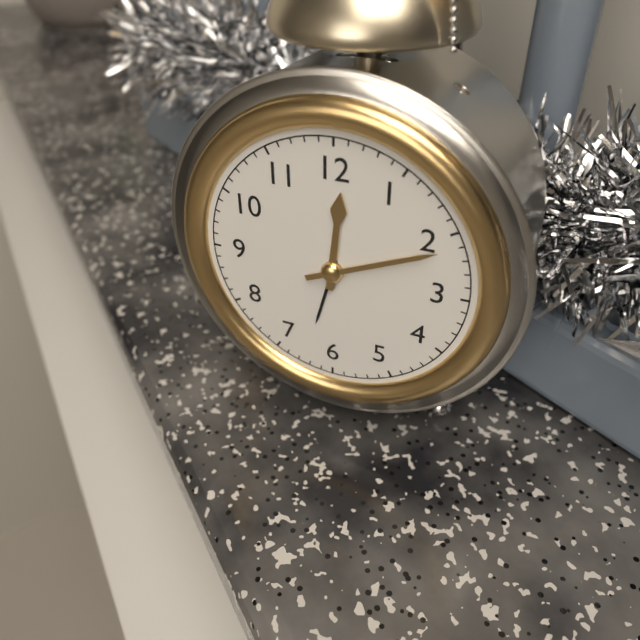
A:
12 h 11 min
